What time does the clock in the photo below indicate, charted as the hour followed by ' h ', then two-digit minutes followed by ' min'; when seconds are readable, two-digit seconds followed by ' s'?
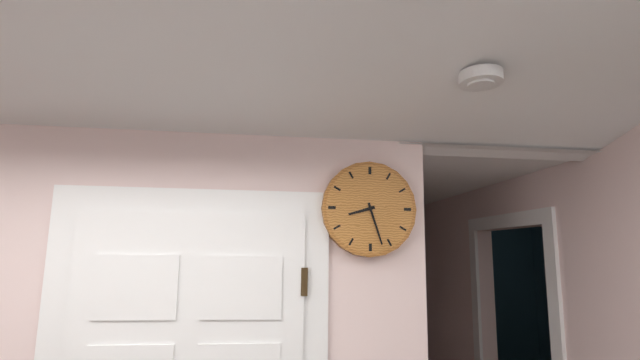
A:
8 h 27 min
